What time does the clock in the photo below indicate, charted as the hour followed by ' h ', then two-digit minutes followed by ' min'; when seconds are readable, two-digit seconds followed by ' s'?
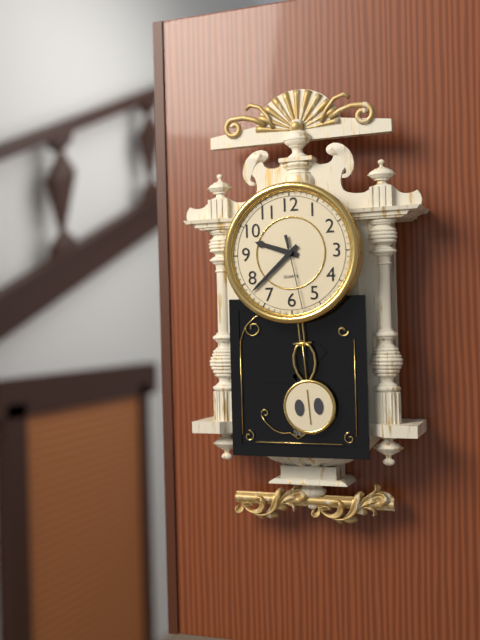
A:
9 h 38 min 28 s
